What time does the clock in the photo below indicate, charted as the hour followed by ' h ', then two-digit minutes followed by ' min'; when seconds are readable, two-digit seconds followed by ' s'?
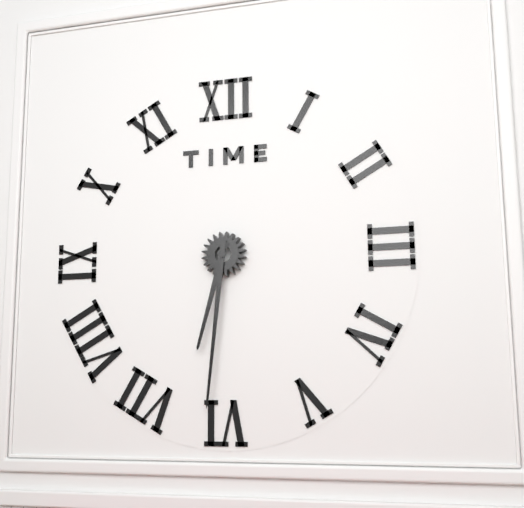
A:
6 h 31 min
